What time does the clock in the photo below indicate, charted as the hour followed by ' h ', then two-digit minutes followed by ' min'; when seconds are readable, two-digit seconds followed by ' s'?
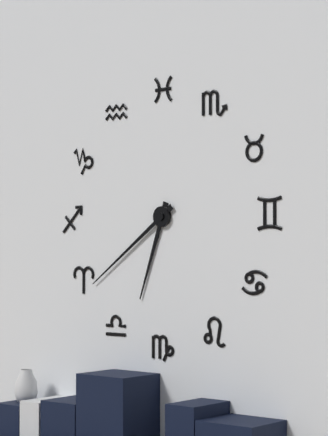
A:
6 h 39 min
